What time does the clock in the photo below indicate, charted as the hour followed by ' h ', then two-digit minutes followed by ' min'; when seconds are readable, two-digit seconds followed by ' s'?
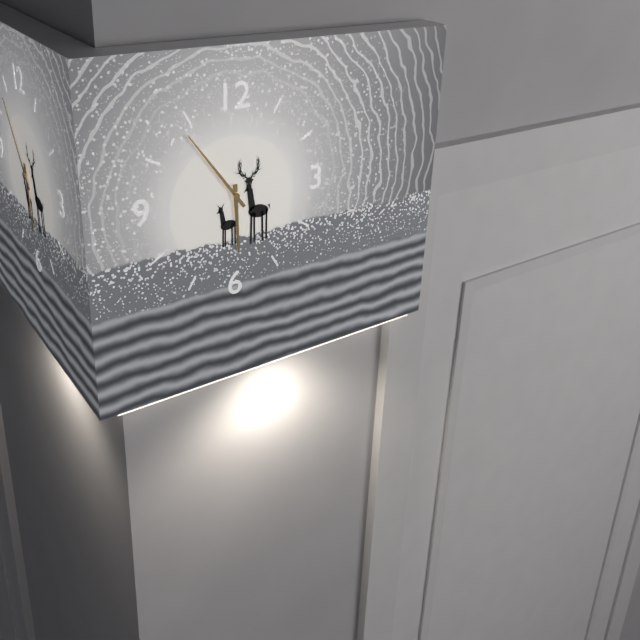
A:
5 h 54 min
